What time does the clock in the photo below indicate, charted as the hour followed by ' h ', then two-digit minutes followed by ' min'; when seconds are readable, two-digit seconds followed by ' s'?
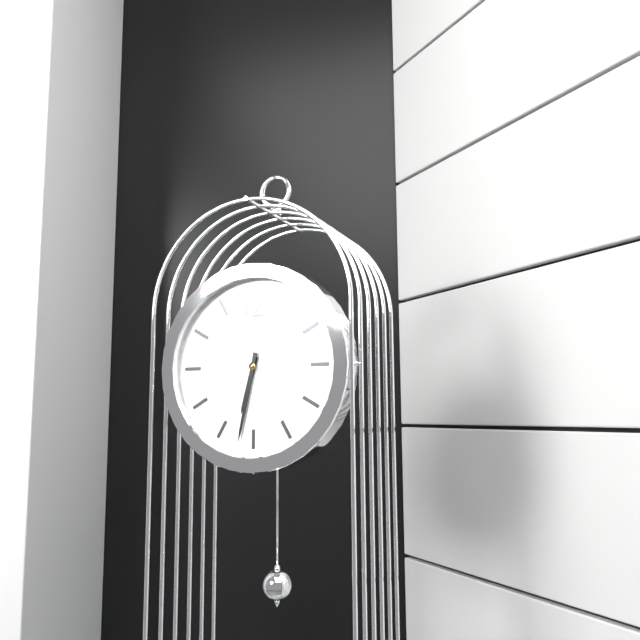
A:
6 h 32 min
